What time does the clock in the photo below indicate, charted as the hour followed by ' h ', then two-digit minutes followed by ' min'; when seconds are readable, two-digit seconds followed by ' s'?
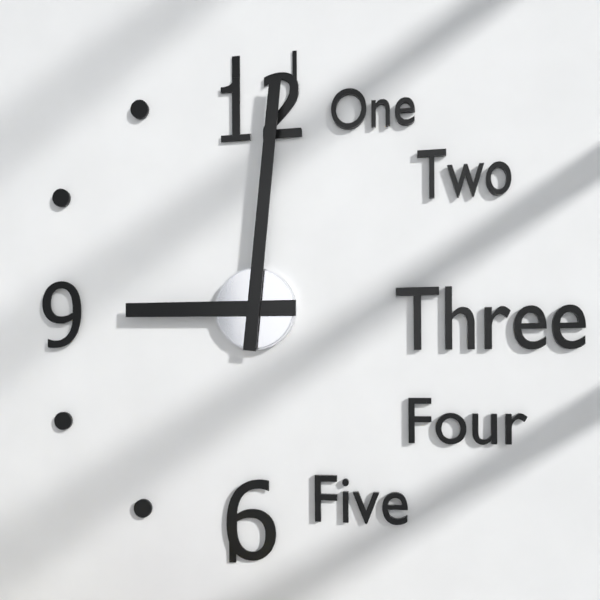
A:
9 h 01 min
